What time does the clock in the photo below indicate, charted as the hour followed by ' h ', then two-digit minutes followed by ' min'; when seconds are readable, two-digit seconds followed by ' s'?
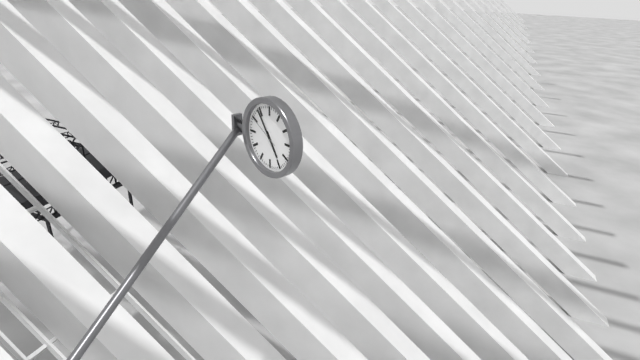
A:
4 h 54 min
